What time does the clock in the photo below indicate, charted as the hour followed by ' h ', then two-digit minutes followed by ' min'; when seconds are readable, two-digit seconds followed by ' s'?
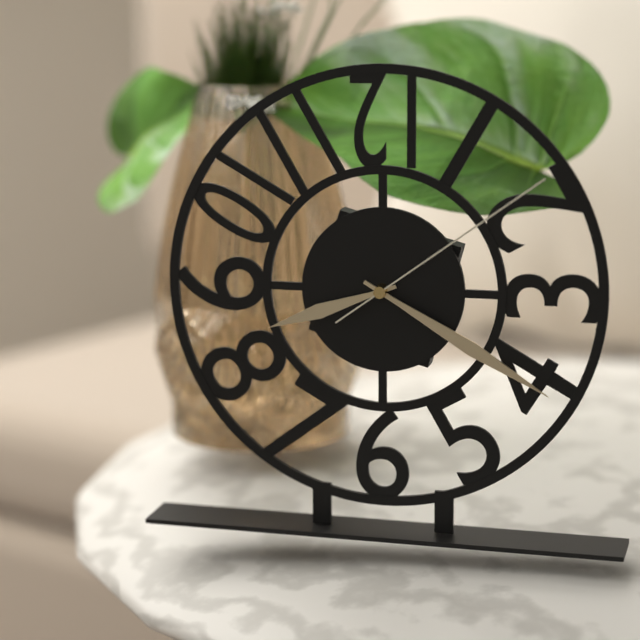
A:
8 h 20 min 09 s
